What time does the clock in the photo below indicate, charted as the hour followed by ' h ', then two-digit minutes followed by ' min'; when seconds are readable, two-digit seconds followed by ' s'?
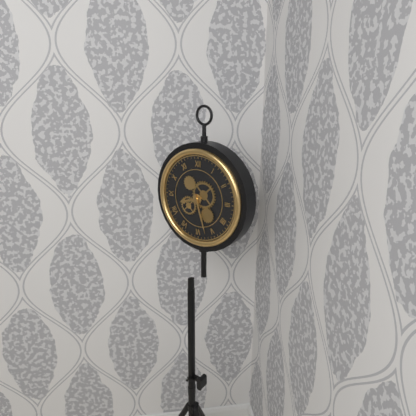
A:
8 h 27 min
